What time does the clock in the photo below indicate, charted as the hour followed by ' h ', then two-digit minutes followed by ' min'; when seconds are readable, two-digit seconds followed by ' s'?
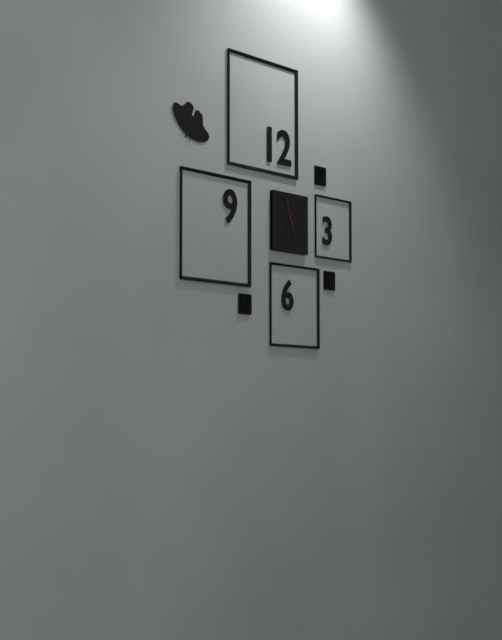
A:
5 h 37 min
